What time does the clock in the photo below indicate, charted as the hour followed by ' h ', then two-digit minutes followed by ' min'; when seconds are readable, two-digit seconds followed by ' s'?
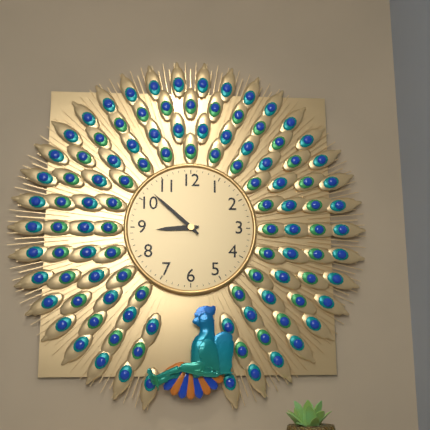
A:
8 h 52 min
